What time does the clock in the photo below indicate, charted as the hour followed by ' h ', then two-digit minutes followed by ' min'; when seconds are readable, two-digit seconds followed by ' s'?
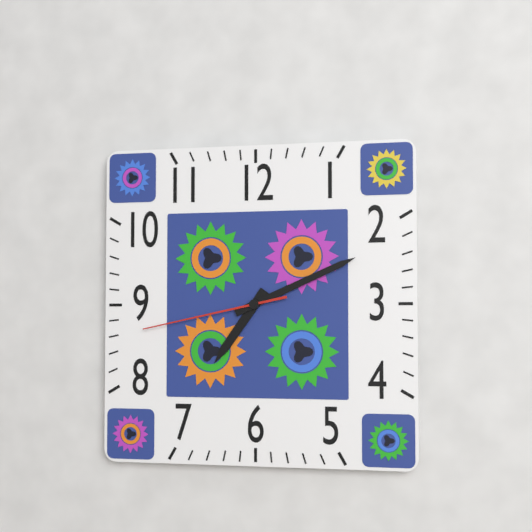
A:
7 h 11 min 43 s
